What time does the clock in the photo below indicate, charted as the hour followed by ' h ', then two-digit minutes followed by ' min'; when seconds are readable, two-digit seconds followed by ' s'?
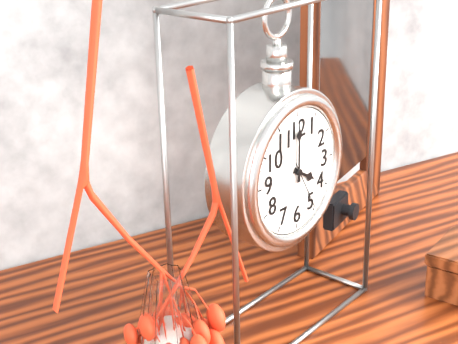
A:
4 h 00 min 25 s
